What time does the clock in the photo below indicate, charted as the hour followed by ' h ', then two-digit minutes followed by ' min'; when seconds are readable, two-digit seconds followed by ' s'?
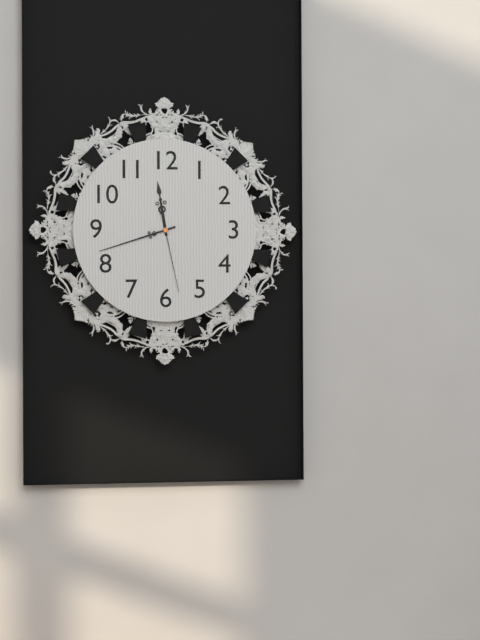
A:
11 h 42 min 28 s
